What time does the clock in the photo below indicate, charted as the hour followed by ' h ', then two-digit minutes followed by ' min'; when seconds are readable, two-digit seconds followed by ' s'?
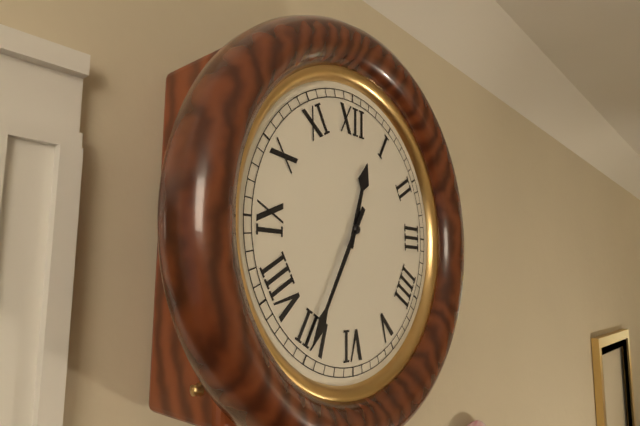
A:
12 h 35 min
